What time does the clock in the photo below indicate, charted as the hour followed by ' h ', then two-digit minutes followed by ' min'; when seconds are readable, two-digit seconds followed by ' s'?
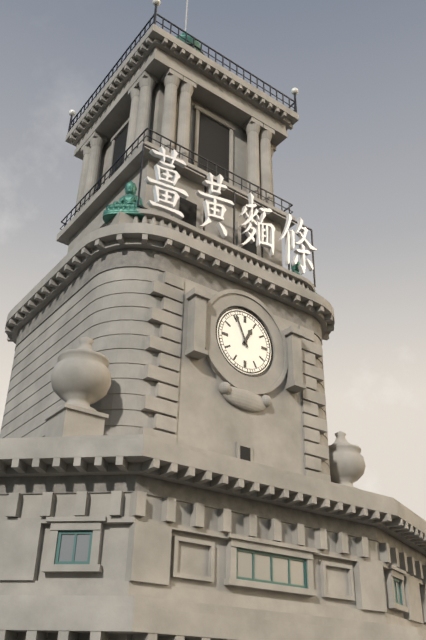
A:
12 h 56 min
